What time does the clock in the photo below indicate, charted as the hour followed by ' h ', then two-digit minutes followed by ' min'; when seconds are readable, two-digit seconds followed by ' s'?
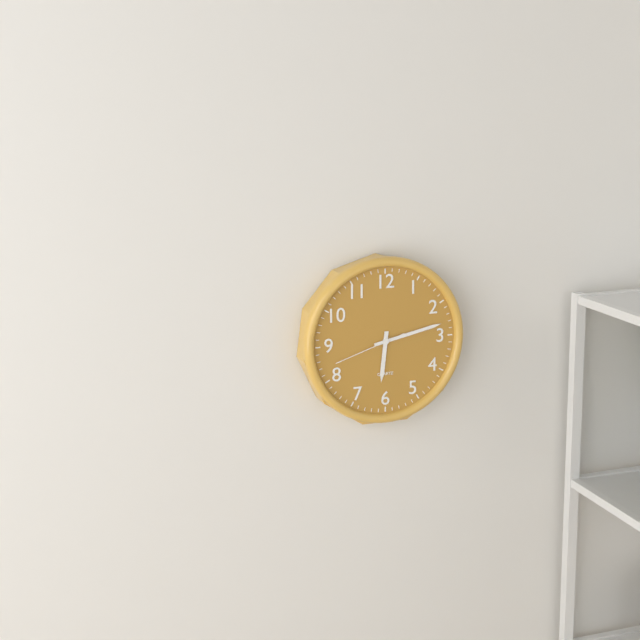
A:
6 h 13 min 42 s
